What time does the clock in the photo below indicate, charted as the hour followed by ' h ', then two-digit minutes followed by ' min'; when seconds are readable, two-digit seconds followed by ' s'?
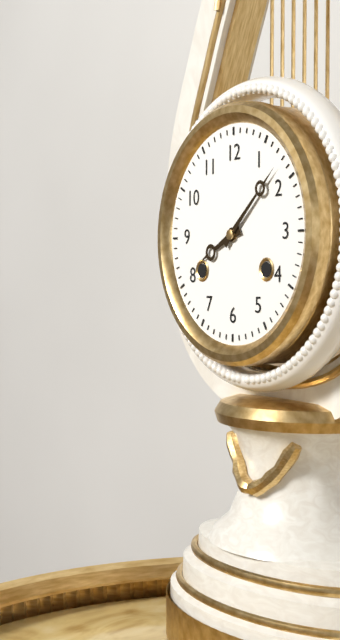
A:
8 h 08 min
